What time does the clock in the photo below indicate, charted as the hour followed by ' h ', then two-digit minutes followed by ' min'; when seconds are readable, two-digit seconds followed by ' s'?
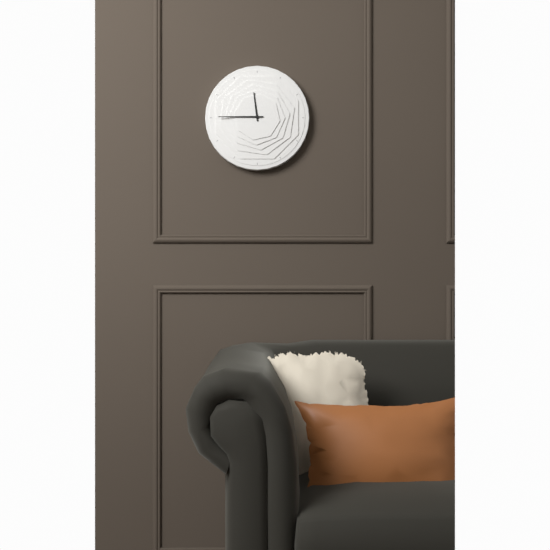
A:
11 h 45 min
